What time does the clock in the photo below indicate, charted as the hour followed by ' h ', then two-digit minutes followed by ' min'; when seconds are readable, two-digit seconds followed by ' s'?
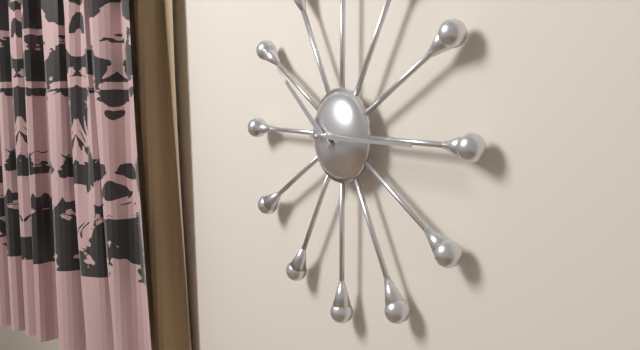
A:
10 h 15 min
